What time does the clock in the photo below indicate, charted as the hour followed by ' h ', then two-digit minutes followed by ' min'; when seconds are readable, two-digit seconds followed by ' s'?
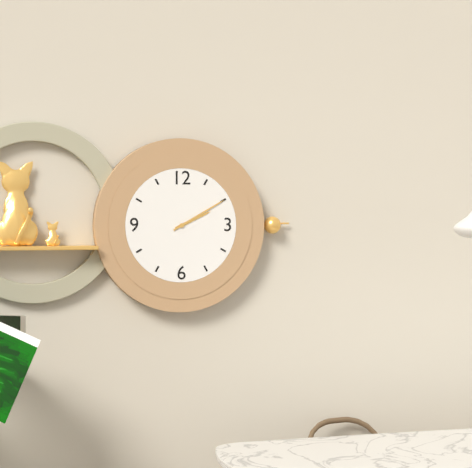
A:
2 h 10 min
